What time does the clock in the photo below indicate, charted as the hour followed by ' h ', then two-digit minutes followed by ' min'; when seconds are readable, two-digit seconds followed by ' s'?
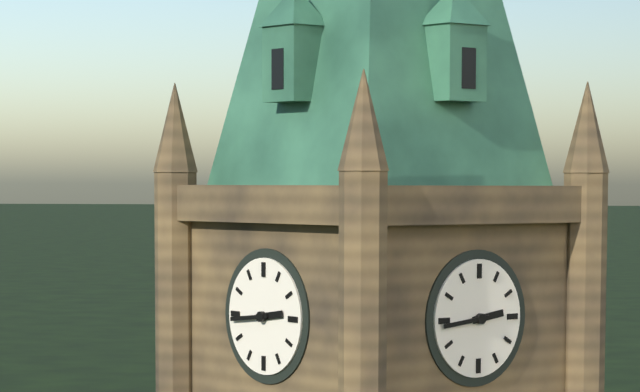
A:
2 h 44 min
